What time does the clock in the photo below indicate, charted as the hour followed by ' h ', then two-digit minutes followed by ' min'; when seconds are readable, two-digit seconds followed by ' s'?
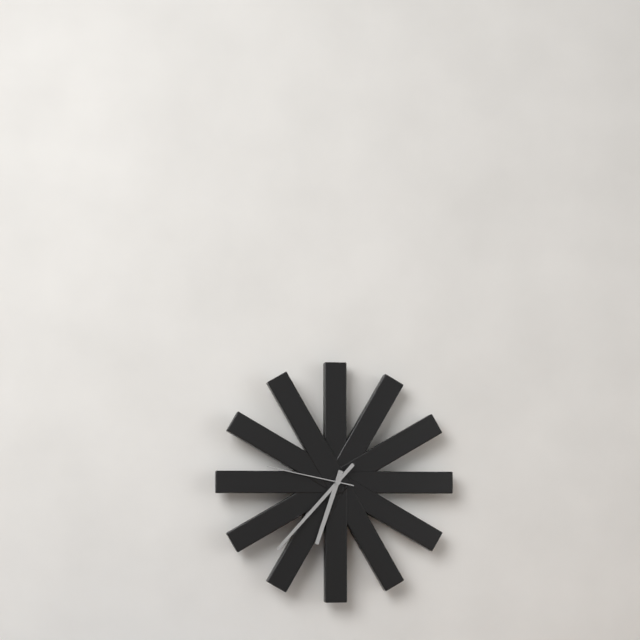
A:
6 h 37 min 47 s
